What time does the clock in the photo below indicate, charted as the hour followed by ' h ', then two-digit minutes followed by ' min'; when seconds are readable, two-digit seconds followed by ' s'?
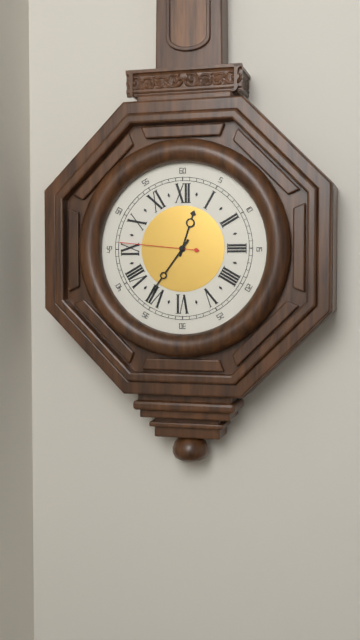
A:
12 h 36 min 46 s
